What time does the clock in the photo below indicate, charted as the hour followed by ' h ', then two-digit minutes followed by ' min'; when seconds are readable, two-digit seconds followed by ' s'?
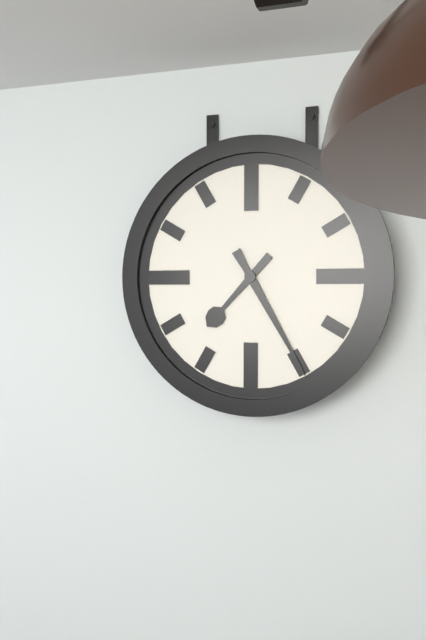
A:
7 h 25 min
